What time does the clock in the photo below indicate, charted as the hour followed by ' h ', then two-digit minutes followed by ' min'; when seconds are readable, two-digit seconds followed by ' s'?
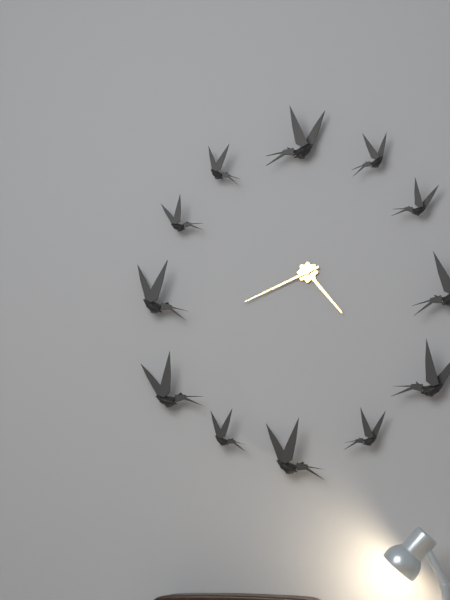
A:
4 h 41 min
